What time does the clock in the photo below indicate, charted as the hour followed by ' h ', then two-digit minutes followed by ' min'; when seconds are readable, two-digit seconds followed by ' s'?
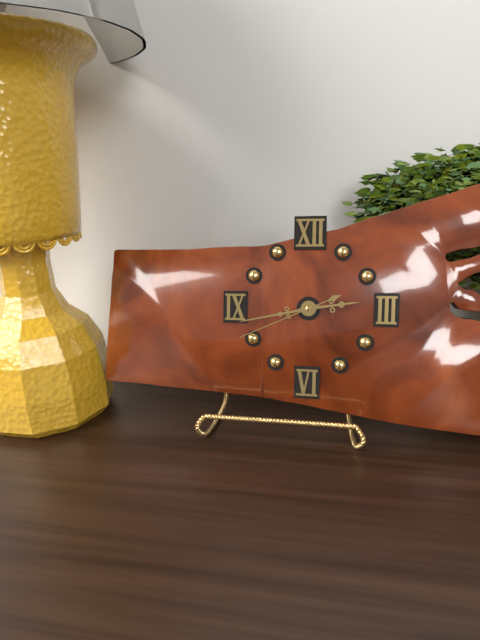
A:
2 h 43 min 41 s
